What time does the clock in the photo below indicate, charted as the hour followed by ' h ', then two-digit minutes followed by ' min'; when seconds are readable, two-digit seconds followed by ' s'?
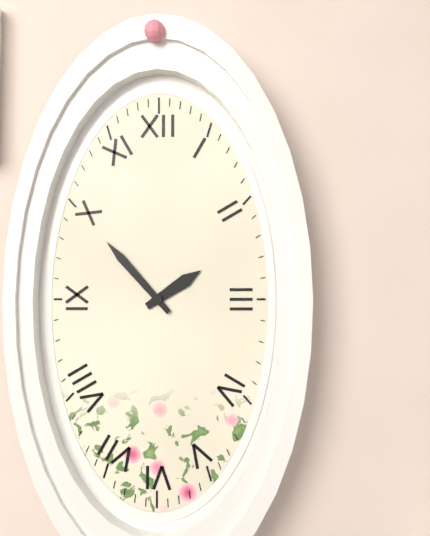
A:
1 h 53 min
